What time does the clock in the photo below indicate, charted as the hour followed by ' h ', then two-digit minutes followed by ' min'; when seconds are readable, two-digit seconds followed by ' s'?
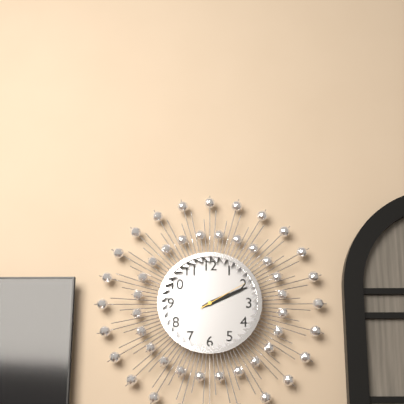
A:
2 h 11 min 10 s
